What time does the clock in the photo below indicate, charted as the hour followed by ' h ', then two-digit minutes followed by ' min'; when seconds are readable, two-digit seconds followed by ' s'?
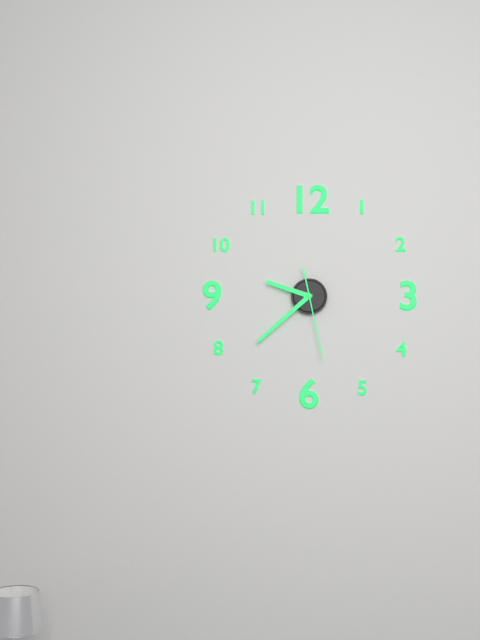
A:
9 h 38 min 28 s
